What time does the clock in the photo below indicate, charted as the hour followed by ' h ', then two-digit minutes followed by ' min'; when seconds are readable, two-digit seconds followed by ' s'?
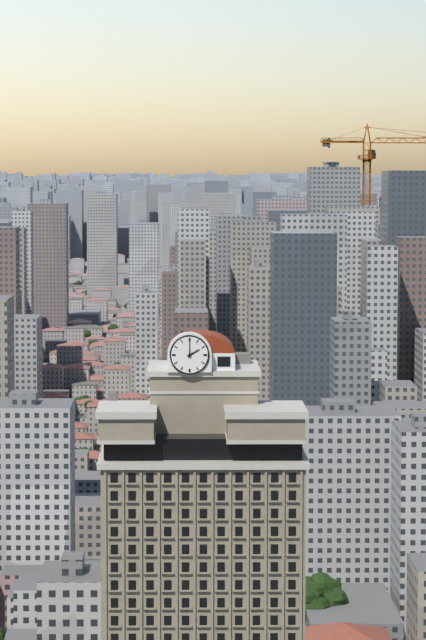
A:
2 h 00 min
